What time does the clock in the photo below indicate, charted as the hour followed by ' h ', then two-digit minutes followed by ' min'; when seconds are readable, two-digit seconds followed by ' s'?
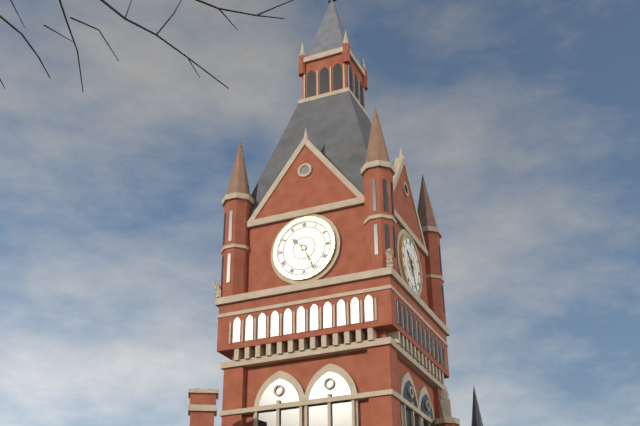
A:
10 h 26 min
